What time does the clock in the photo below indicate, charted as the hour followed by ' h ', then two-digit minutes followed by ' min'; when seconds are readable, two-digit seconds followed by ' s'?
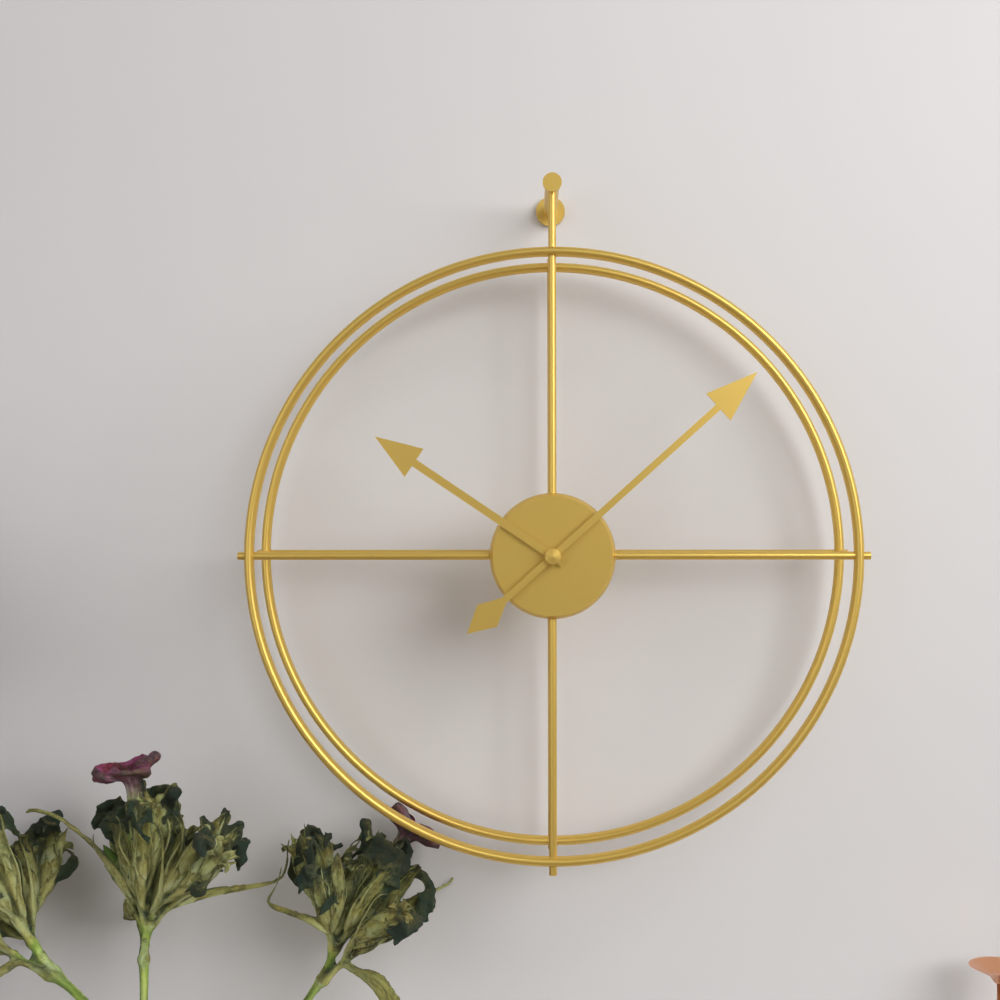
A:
10 h 08 min
